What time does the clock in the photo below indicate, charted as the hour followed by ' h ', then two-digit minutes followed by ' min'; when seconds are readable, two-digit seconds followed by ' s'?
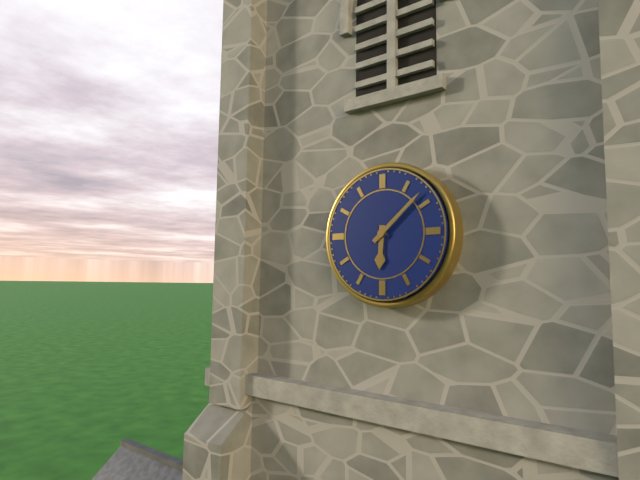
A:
6 h 08 min
